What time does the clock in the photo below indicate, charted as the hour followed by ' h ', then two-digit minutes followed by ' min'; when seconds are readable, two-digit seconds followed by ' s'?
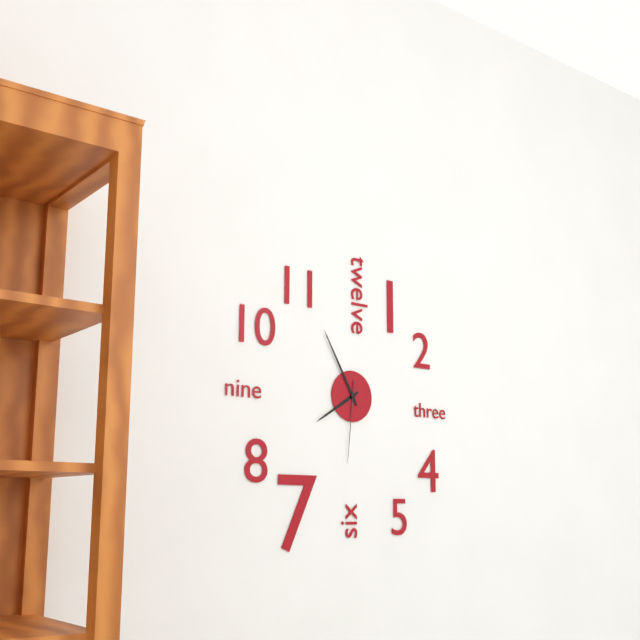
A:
7 h 55 min 31 s
